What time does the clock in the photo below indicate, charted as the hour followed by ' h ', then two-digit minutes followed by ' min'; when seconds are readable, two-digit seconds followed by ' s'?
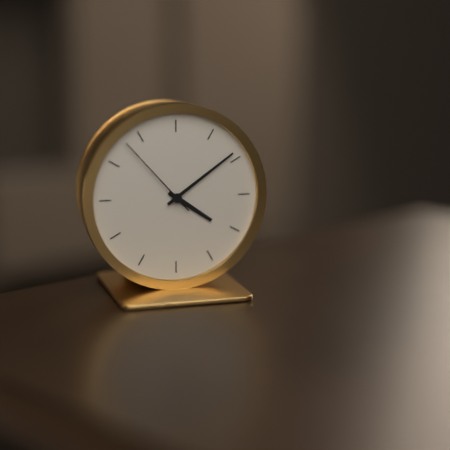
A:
4 h 09 min 53 s
